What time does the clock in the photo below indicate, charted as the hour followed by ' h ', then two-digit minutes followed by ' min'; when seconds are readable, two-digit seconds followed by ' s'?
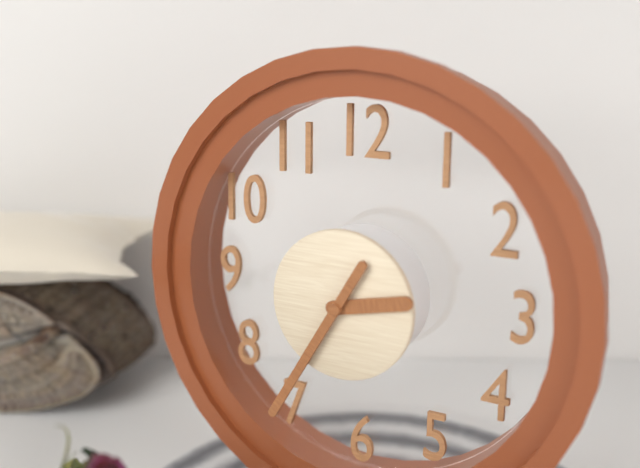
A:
2 h 35 min
